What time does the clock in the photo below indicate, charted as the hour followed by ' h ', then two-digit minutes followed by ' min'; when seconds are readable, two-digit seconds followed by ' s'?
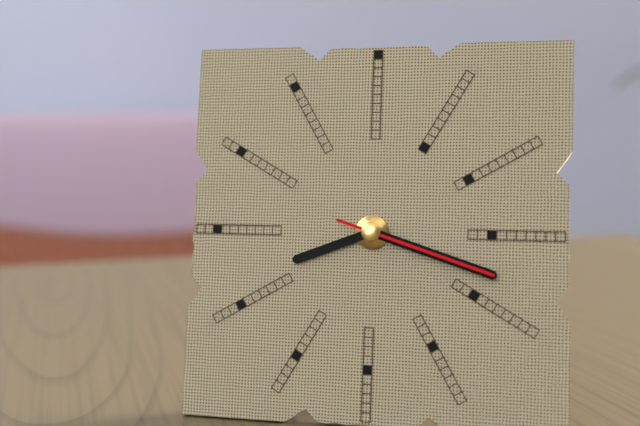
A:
8 h 18 min 18 s
